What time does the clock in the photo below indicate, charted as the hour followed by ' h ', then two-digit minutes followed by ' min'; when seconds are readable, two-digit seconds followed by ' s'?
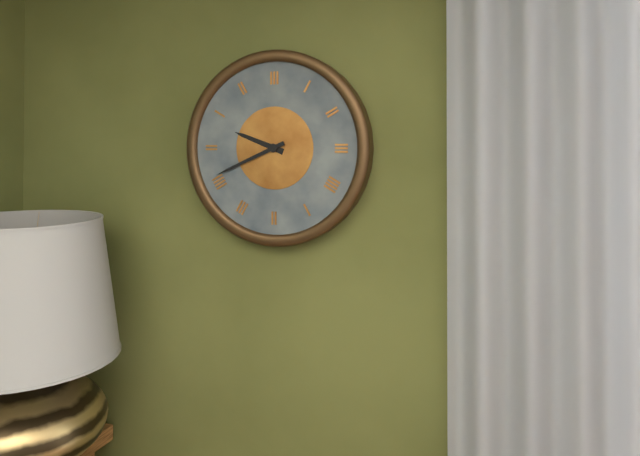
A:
9 h 41 min
